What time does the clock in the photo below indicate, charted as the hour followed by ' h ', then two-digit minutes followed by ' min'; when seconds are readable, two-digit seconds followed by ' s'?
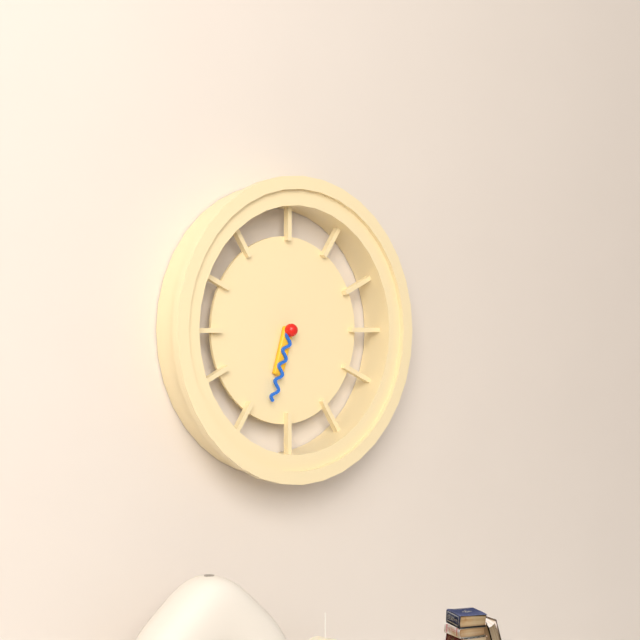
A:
6 h 33 min
